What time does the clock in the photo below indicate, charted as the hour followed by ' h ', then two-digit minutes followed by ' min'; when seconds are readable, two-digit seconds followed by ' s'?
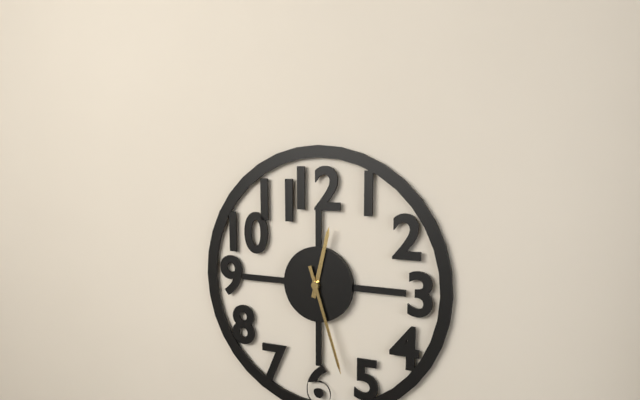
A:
12 h 27 min
